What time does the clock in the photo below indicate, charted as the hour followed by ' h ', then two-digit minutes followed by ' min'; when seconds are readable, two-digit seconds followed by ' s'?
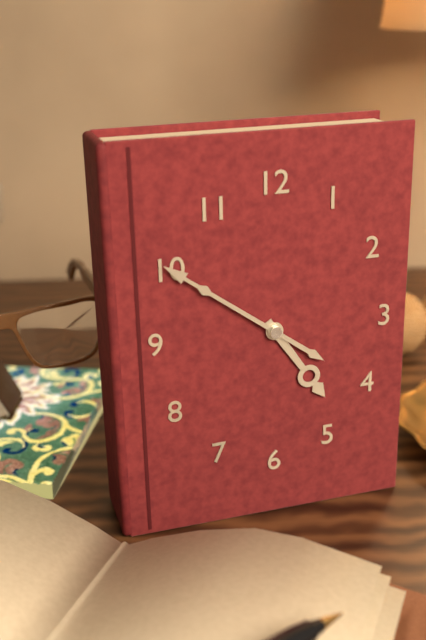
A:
4 h 51 min
